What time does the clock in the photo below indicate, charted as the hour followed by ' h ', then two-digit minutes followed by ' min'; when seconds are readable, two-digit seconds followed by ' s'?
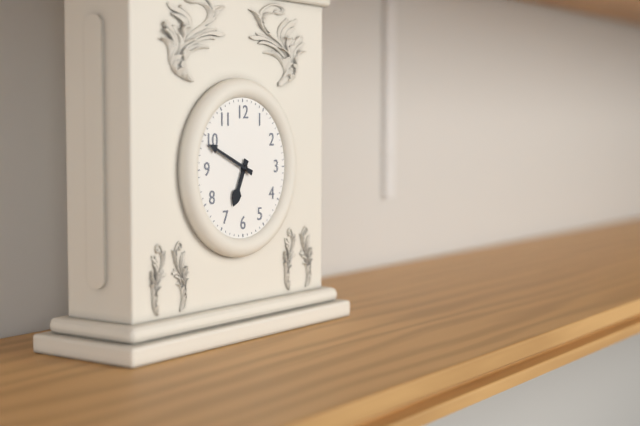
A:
6 h 49 min
